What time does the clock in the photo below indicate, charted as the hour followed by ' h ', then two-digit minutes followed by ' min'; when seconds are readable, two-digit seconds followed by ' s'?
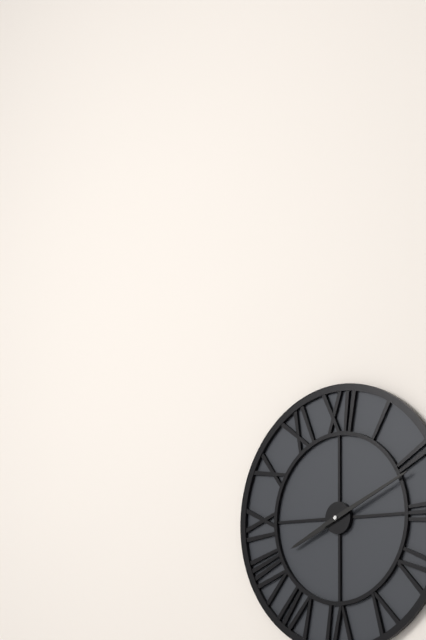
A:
8 h 11 min
